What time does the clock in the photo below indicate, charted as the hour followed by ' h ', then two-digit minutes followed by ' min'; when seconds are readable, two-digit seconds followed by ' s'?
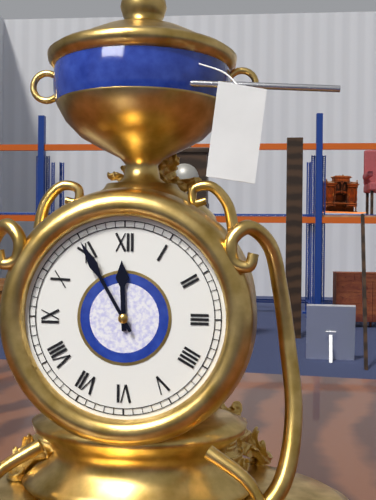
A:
11 h 55 min
